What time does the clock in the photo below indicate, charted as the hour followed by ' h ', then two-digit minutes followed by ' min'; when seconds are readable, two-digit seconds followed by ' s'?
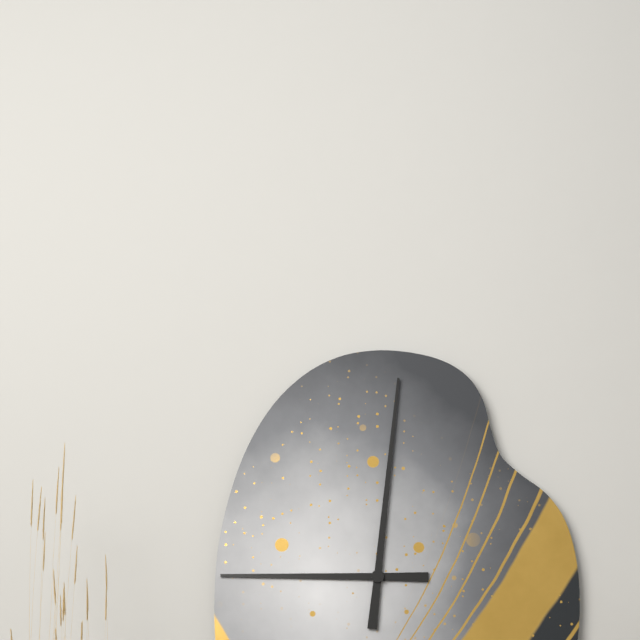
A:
9 h 01 min
